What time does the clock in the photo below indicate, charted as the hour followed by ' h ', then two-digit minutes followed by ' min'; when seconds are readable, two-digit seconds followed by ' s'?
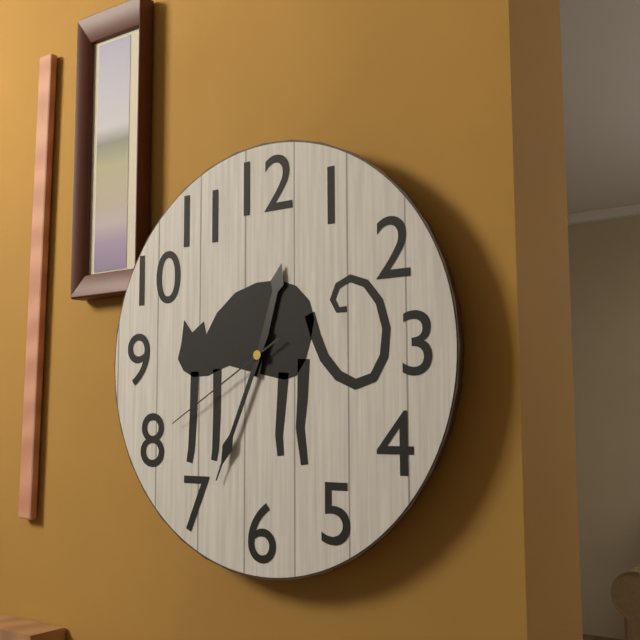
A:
12 h 34 min 40 s
